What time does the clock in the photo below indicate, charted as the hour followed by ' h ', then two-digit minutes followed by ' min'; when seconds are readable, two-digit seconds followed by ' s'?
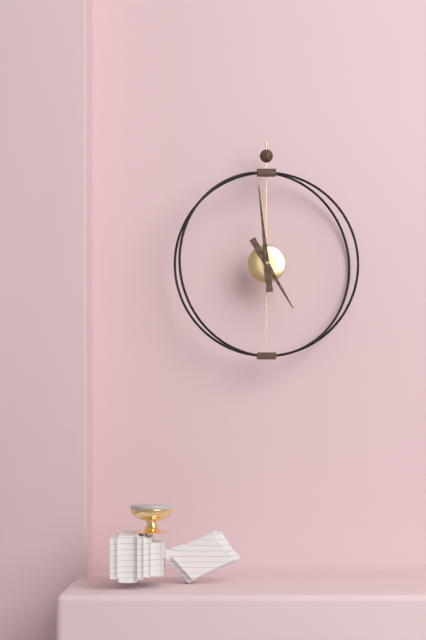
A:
4 h 59 min
